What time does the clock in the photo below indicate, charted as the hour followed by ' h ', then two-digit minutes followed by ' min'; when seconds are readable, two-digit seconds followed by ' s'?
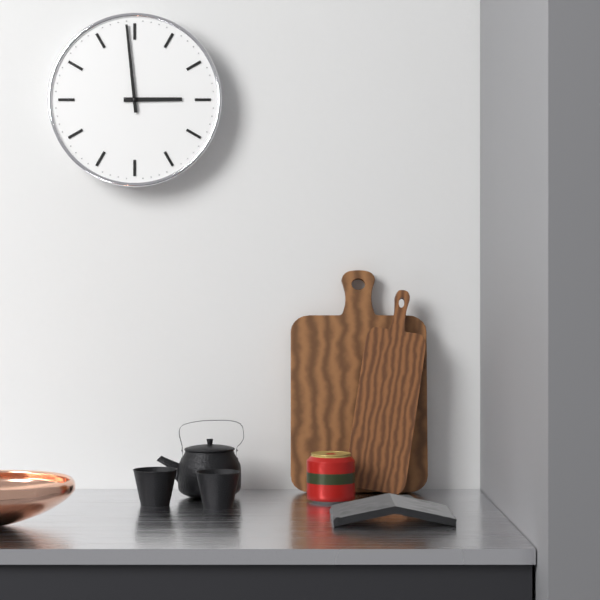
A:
2 h 59 min
